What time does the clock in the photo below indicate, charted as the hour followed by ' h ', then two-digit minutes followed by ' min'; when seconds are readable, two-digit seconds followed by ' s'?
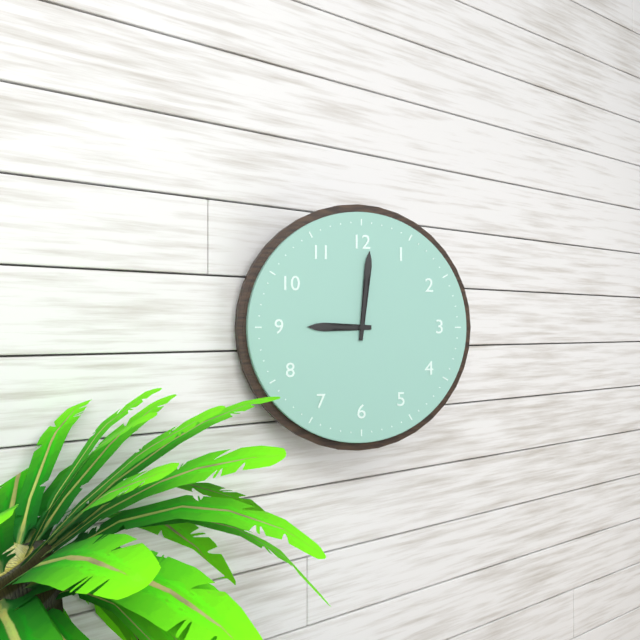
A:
9 h 01 min
